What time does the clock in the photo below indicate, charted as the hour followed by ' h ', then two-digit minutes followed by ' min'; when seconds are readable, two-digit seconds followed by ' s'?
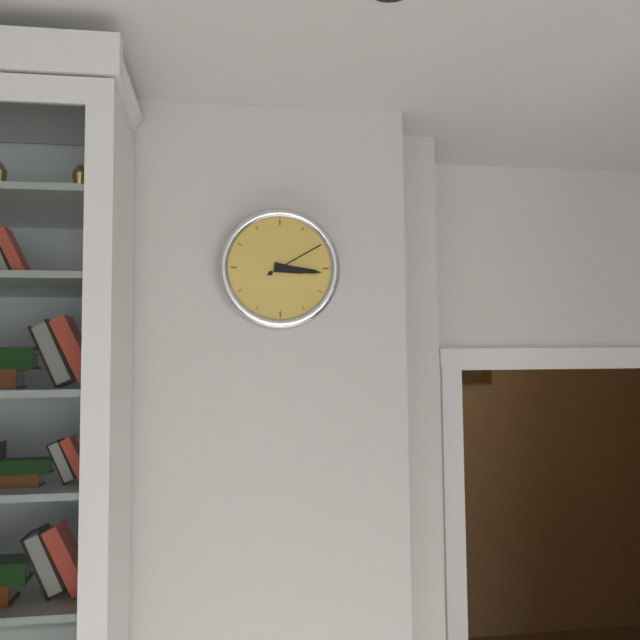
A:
3 h 16 min 10 s
